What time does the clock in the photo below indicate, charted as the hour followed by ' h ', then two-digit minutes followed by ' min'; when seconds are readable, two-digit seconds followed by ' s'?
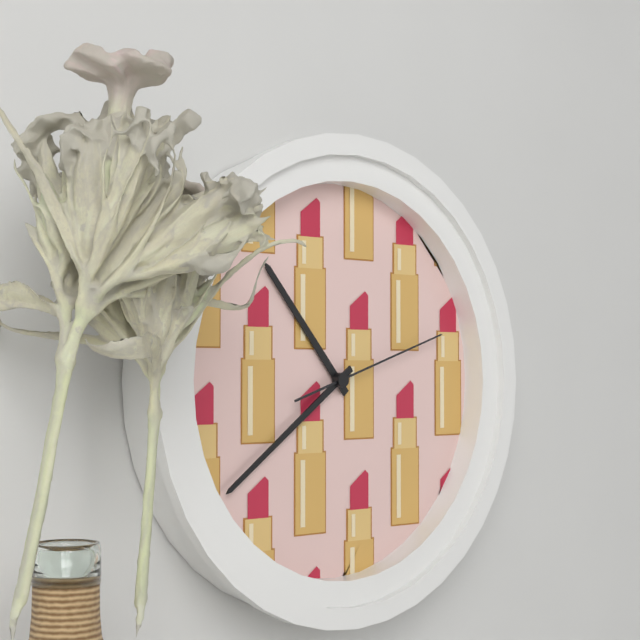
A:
10 h 39 min 12 s
